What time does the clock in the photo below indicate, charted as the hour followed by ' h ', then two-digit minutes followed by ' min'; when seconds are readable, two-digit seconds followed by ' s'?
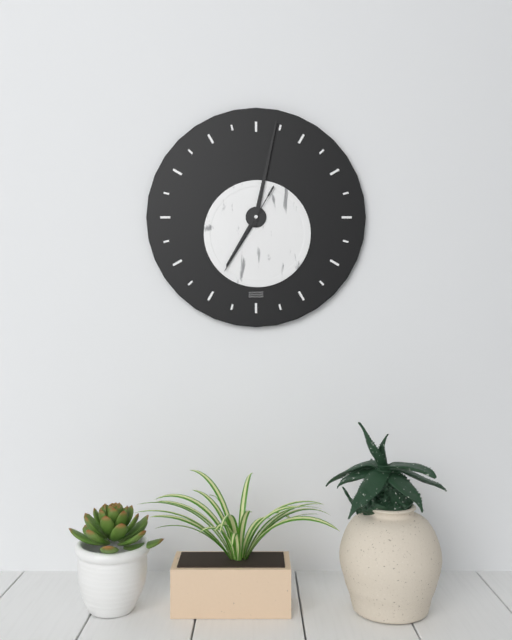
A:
7 h 02 min 35 s
